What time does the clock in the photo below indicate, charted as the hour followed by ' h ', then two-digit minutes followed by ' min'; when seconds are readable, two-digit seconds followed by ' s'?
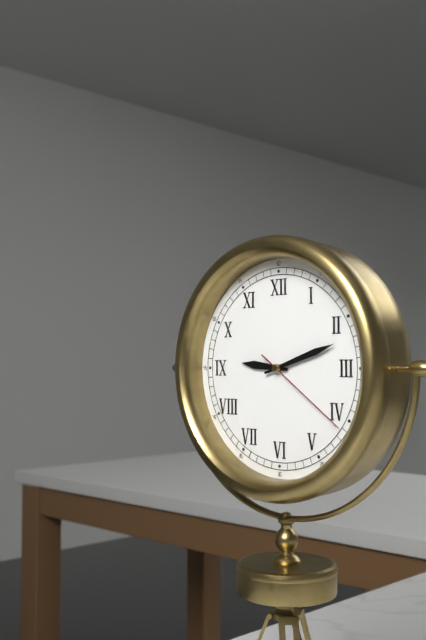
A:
9 h 12 min 21 s
